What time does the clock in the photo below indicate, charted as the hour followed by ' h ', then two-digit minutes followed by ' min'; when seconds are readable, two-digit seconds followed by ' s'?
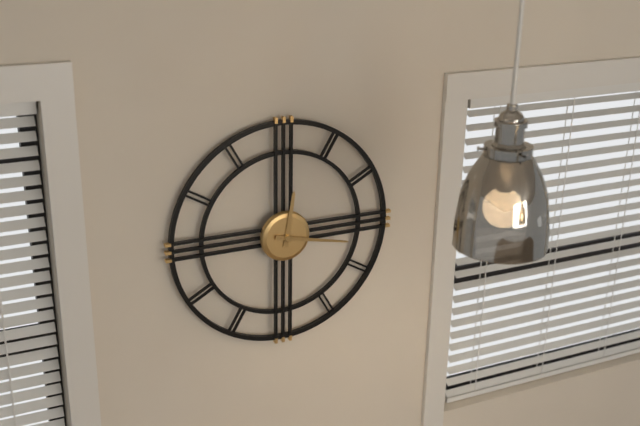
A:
12 h 17 min
